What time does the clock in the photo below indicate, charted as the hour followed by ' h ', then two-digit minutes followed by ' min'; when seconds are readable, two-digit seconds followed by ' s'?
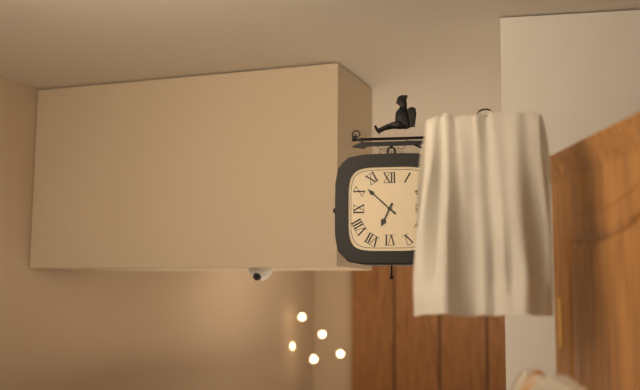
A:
6 h 52 min
